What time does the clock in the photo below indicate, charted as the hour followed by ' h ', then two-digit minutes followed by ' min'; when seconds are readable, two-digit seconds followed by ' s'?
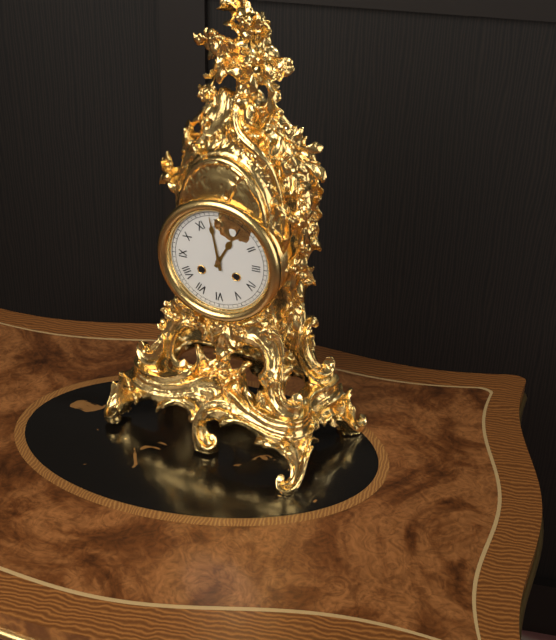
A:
12 h 58 min
